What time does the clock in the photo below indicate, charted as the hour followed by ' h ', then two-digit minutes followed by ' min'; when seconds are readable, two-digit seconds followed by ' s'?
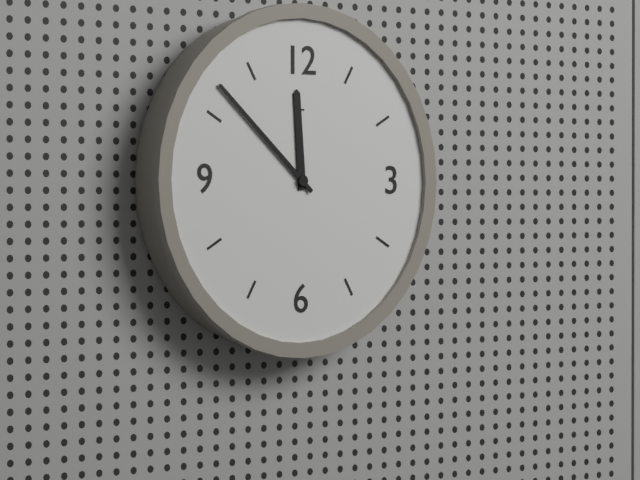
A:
11 h 52 min
